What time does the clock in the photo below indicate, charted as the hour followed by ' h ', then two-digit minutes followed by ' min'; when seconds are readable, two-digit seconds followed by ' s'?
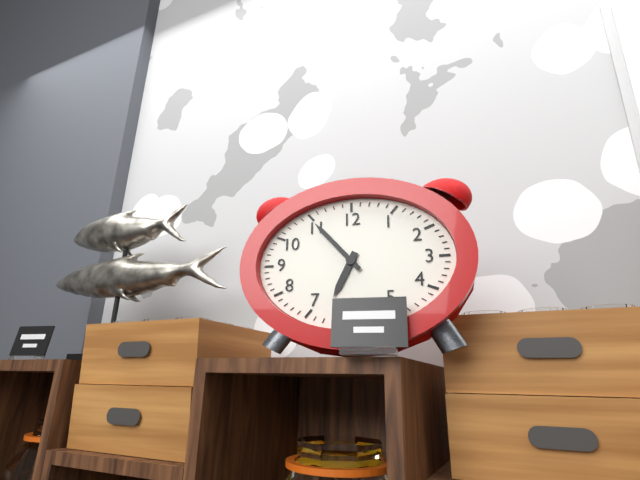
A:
6 h 53 min
